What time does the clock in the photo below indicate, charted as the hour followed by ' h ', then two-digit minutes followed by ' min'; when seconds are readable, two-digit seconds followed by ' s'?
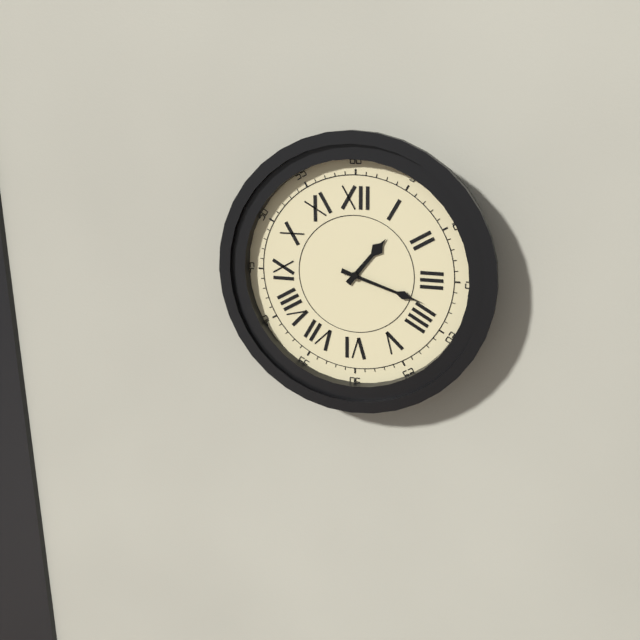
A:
1 h 18 min
